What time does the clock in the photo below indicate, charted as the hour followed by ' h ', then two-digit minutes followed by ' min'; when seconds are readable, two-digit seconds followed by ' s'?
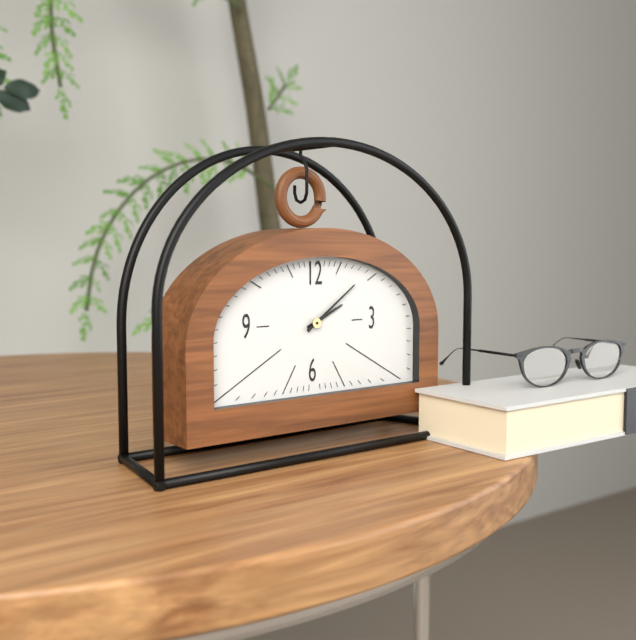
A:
2 h 09 min
